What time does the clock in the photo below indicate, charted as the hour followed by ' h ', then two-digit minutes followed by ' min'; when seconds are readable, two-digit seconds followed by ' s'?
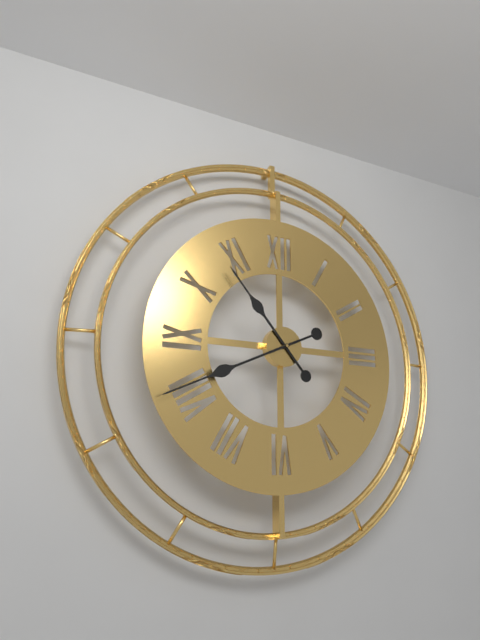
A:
10 h 41 min
